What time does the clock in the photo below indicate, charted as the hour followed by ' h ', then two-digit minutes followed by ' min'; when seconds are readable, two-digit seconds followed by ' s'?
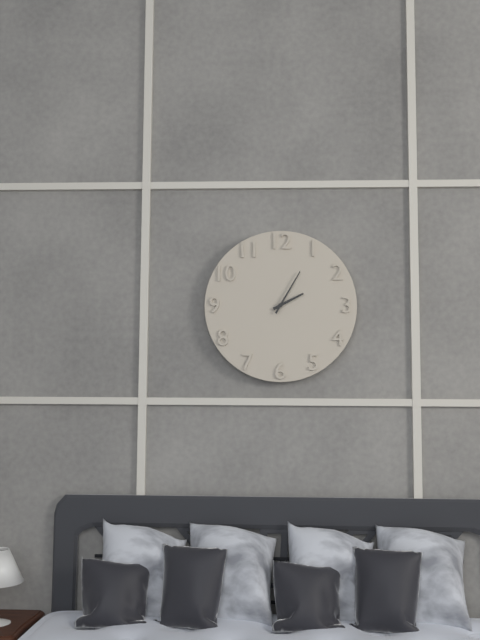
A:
2 h 05 min
